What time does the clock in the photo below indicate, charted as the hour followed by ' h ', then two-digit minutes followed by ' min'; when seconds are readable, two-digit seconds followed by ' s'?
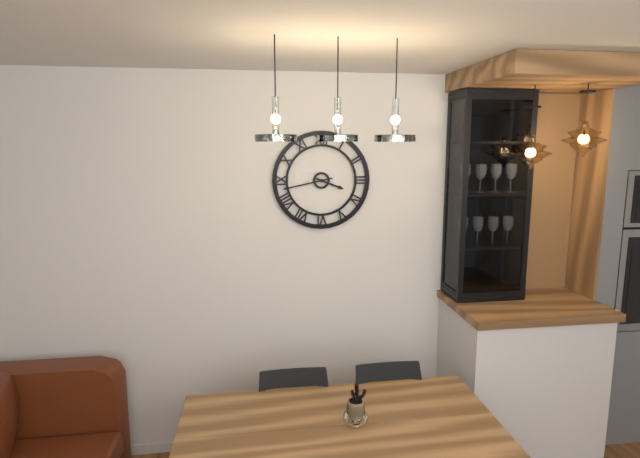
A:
3 h 43 min
